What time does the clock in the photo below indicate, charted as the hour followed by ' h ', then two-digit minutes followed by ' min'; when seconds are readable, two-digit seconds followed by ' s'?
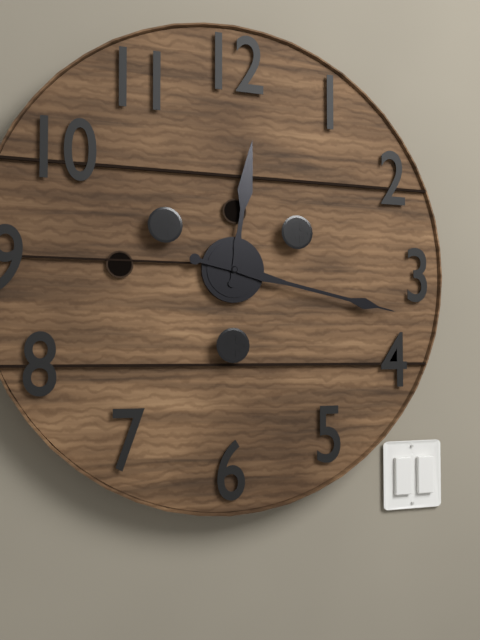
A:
12 h 17 min
